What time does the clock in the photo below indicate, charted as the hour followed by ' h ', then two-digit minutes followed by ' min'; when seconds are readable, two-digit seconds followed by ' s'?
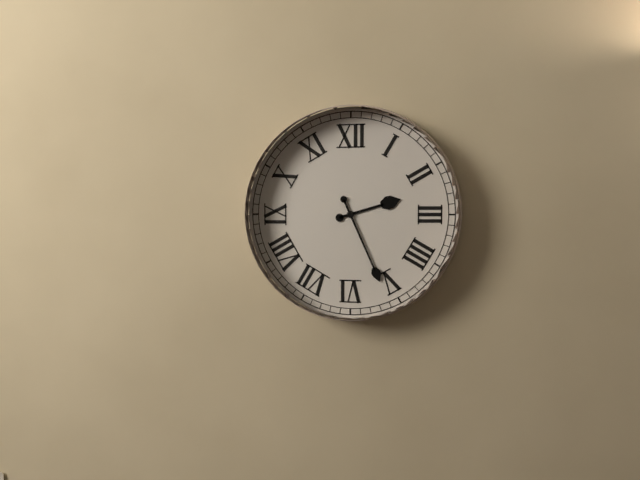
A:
2 h 26 min
